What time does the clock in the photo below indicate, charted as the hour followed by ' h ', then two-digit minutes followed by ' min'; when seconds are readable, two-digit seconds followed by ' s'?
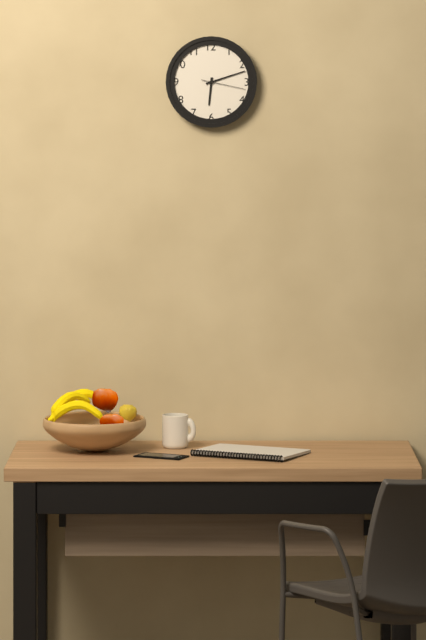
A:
6 h 12 min
